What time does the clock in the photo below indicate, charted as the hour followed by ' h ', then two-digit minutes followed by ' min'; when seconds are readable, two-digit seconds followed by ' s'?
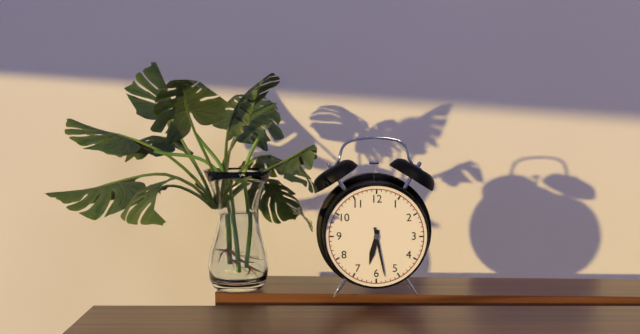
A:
6 h 28 min
